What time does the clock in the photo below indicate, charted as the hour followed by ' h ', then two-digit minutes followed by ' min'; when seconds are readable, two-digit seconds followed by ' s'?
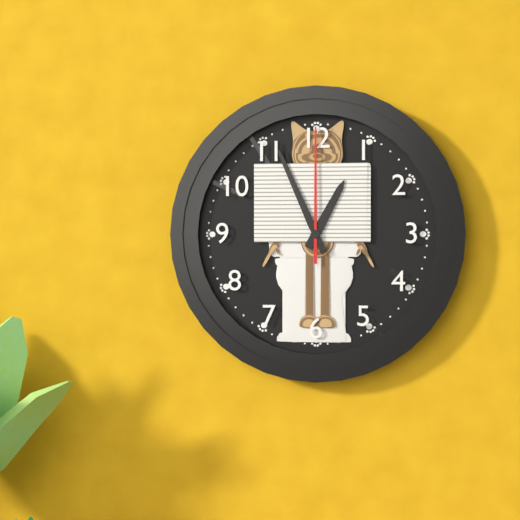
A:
12 h 56 min 00 s
